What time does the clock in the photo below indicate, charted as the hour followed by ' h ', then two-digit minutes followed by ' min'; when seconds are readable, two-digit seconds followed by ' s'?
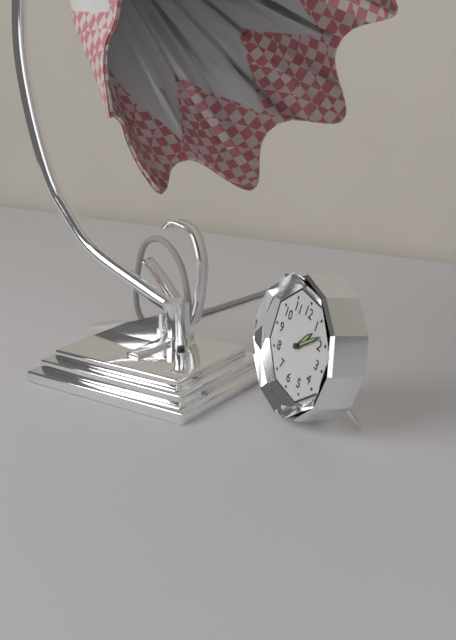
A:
1 h 08 min
